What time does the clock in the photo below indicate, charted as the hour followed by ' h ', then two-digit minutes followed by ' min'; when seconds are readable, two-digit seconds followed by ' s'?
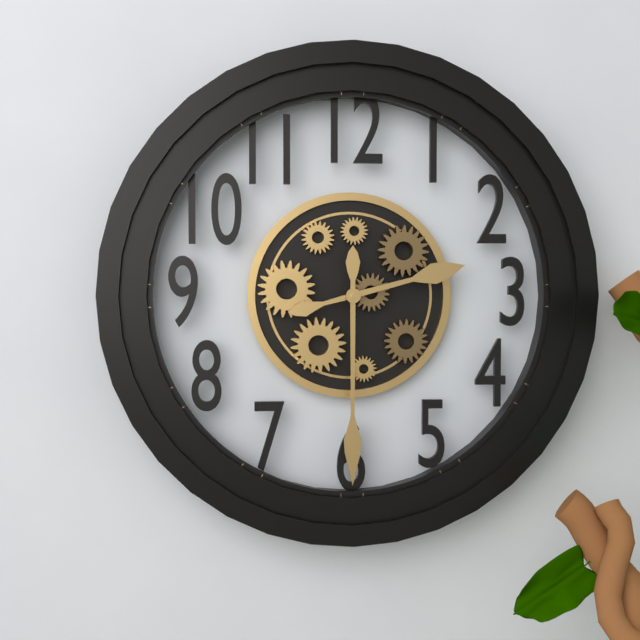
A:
2 h 30 min
